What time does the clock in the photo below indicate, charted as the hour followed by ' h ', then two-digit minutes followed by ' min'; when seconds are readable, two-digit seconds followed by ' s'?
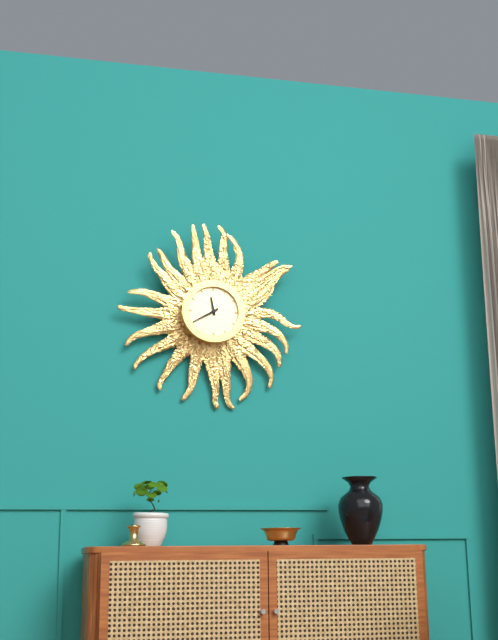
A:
11 h 40 min
